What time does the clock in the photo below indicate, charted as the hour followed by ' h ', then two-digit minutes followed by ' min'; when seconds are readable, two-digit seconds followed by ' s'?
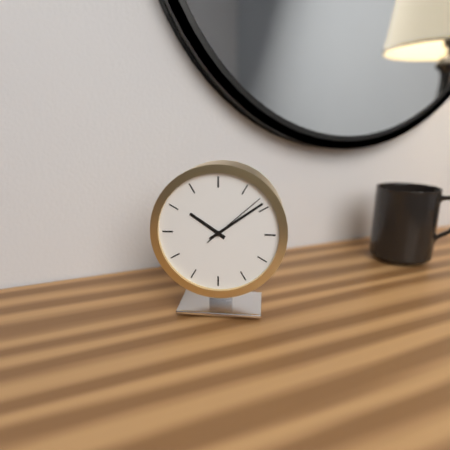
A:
10 h 09 min 08 s
